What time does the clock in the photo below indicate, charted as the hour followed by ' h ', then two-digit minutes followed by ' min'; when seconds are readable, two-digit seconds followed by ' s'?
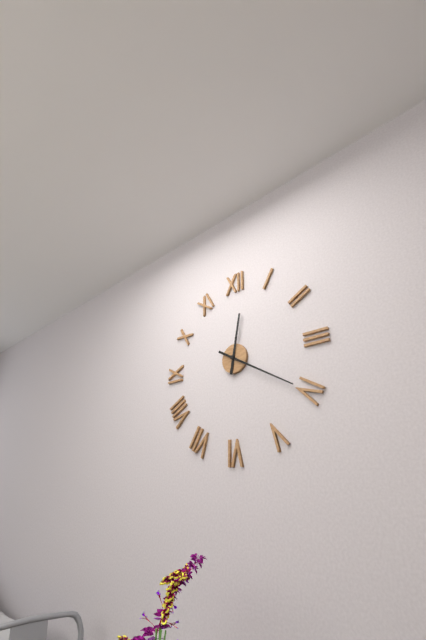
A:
12 h 20 min
